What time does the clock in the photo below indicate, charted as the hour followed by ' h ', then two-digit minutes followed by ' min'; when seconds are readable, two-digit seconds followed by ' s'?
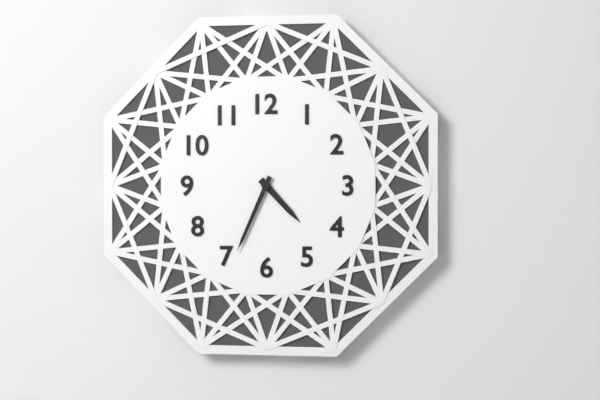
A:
4 h 34 min
